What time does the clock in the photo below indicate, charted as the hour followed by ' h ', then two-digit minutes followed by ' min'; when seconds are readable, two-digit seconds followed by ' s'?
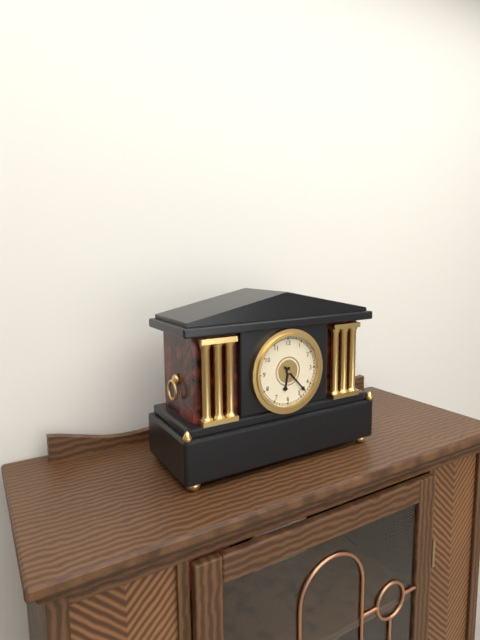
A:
6 h 23 min
